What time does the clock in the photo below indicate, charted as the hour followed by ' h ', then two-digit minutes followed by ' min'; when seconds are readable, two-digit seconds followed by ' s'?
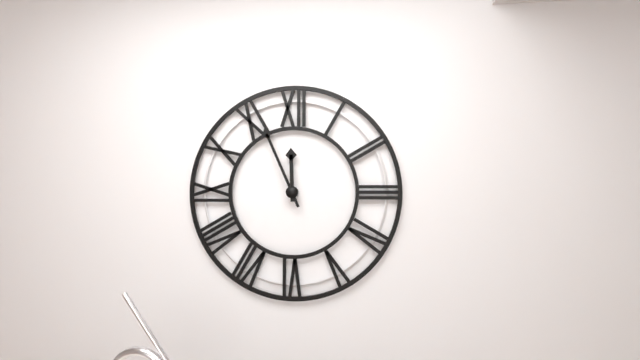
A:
11 h 56 min
